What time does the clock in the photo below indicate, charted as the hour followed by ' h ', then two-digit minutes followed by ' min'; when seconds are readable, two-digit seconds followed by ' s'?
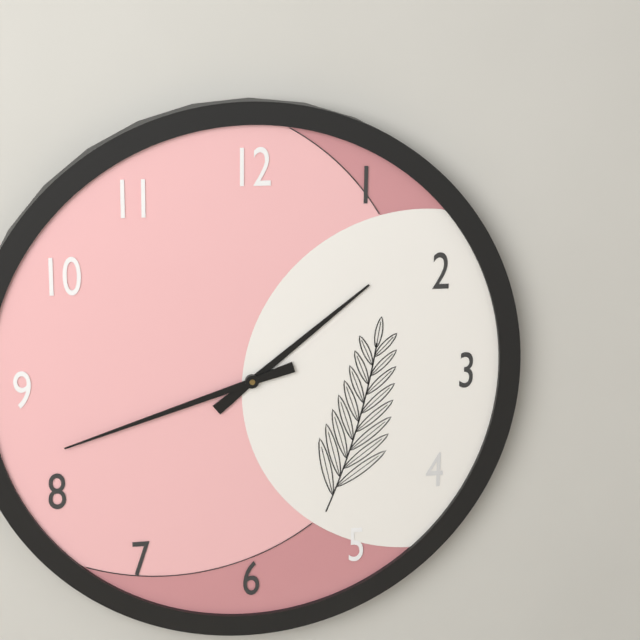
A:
1 h 42 min
